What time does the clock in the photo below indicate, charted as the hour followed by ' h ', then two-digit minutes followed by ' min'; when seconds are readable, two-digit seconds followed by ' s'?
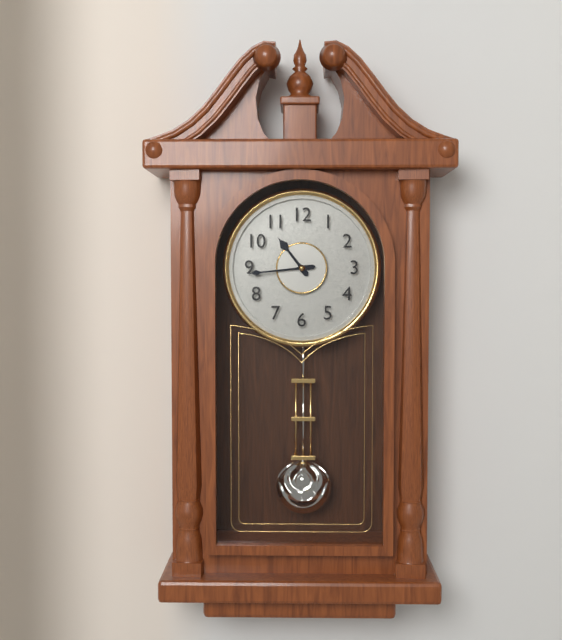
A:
10 h 44 min
